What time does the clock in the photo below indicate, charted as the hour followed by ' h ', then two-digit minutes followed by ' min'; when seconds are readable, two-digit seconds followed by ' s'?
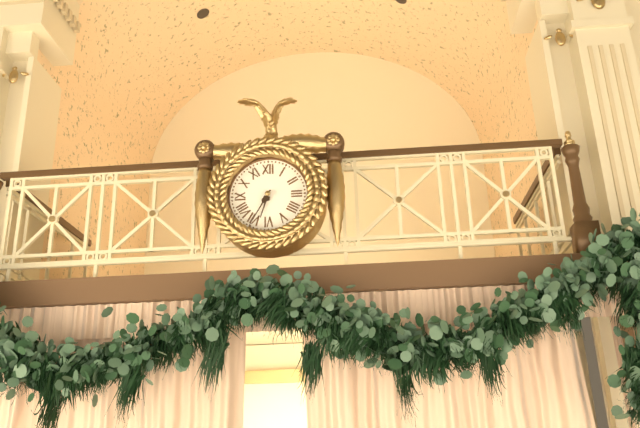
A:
6 h 35 min
